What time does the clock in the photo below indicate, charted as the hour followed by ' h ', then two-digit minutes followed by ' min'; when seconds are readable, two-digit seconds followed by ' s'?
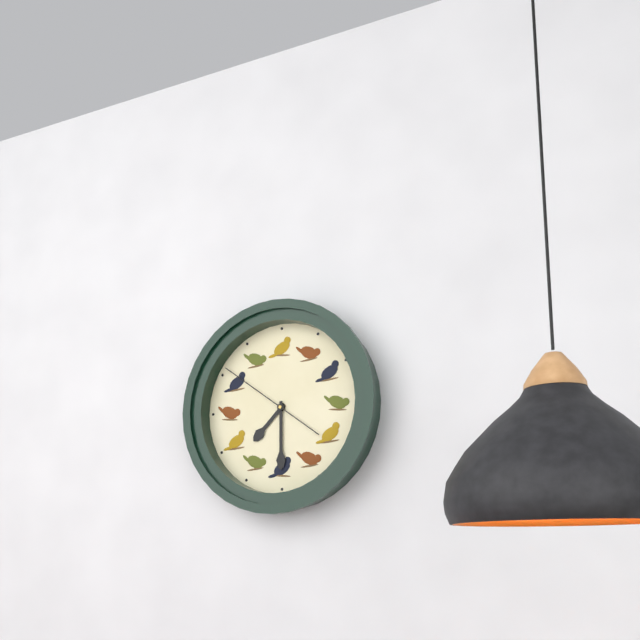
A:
7 h 30 min 51 s
